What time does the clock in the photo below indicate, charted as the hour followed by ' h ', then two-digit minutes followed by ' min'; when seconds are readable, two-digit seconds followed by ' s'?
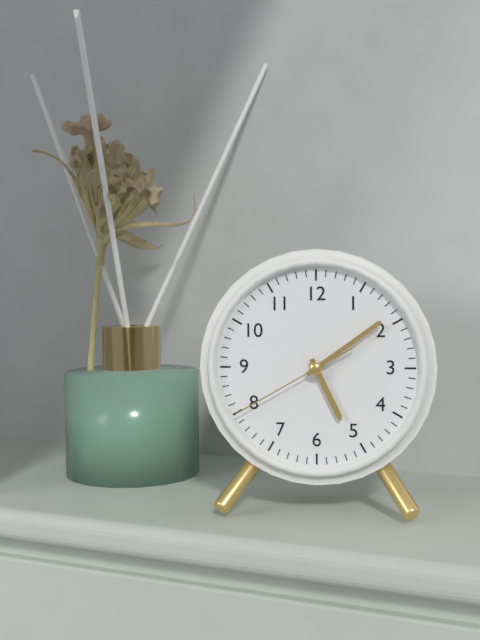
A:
5 h 09 min 40 s
